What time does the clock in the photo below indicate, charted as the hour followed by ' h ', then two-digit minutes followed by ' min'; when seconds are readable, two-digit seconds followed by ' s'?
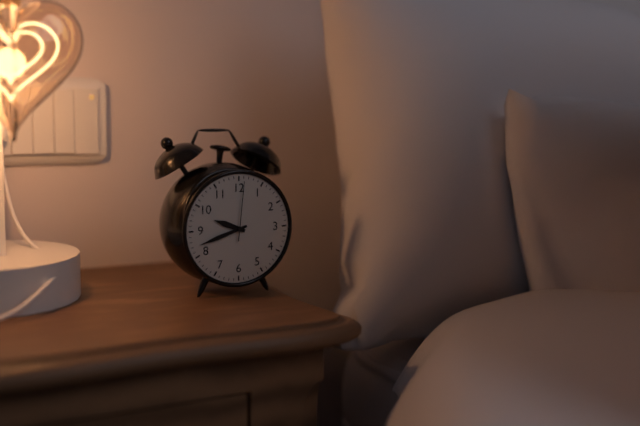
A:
9 h 42 min 01 s
